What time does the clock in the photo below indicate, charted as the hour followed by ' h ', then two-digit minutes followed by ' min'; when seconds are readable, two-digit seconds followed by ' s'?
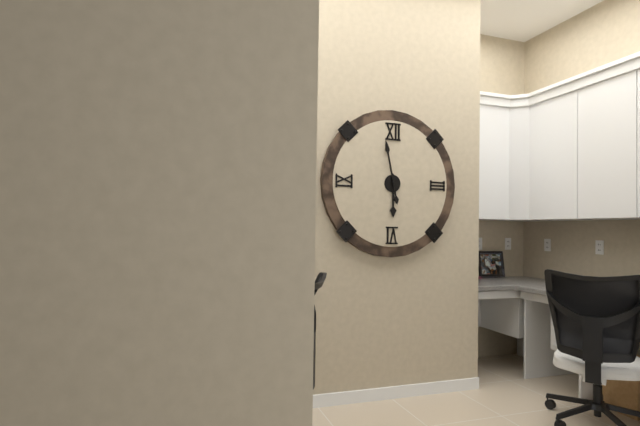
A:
5 h 58 min
